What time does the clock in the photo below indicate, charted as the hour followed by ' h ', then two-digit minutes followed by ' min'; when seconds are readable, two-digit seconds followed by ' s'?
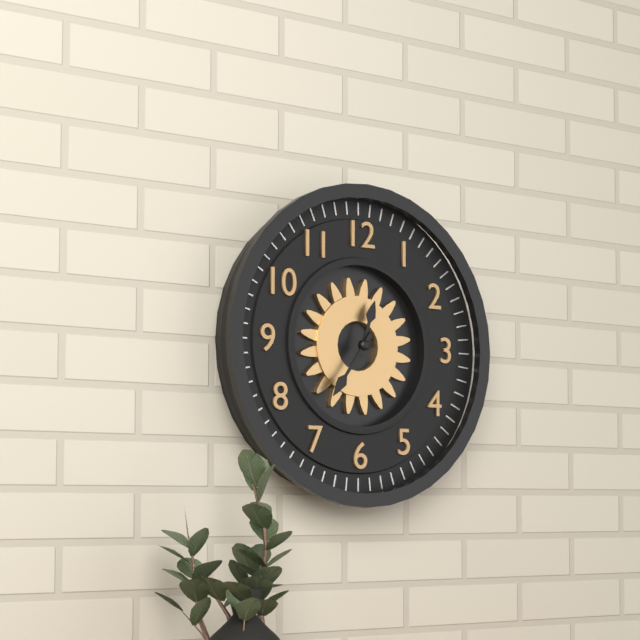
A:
12 h 36 min
